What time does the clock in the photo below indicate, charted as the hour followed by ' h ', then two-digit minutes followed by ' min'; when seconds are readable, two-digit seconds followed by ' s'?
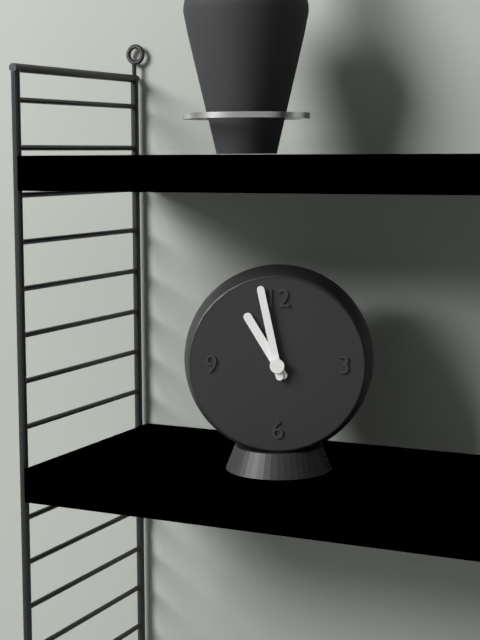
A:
10 h 58 min
